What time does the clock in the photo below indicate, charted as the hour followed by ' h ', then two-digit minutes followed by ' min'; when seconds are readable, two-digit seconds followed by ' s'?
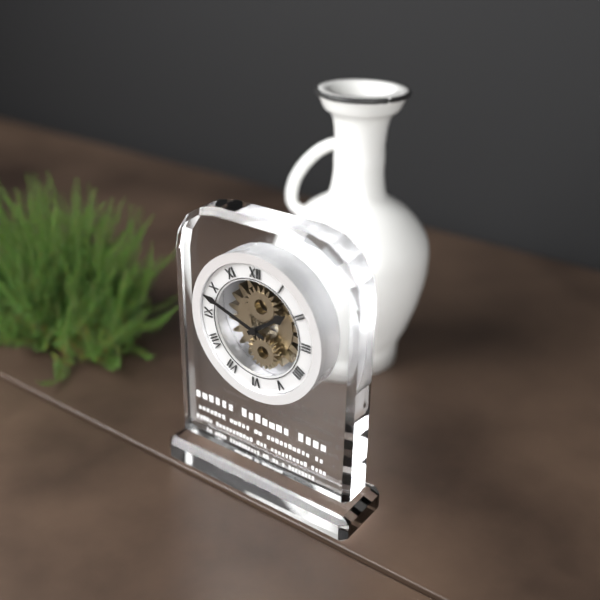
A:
1 h 48 min
